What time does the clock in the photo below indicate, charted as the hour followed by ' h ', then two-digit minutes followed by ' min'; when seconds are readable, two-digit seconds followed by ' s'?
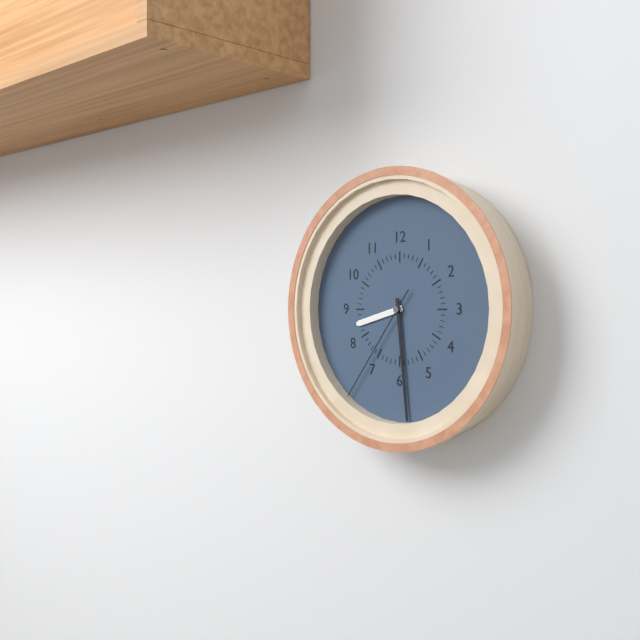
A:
8 h 29 min 36 s
